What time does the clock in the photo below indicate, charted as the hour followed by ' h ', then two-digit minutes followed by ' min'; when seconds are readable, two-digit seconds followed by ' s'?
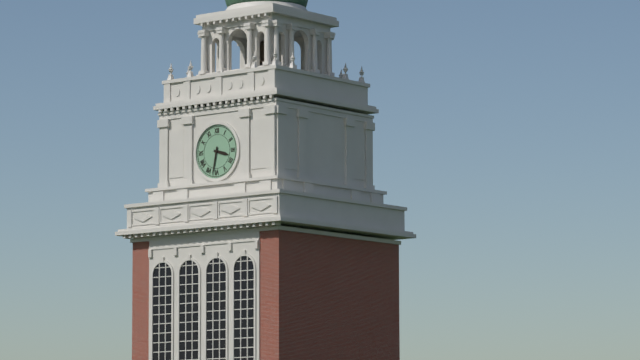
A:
3 h 32 min
